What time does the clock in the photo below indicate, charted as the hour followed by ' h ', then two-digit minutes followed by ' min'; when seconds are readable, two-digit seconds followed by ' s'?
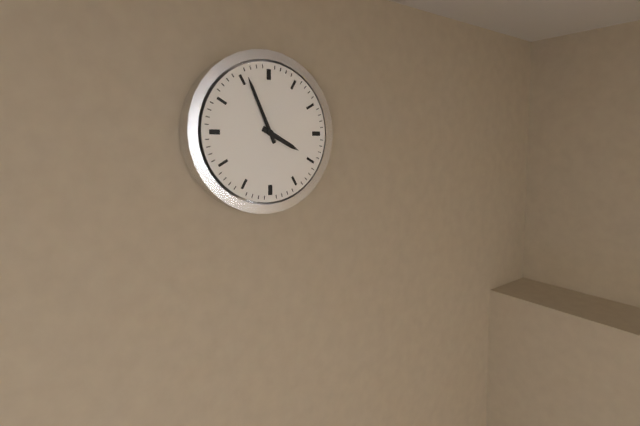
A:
3 h 56 min
